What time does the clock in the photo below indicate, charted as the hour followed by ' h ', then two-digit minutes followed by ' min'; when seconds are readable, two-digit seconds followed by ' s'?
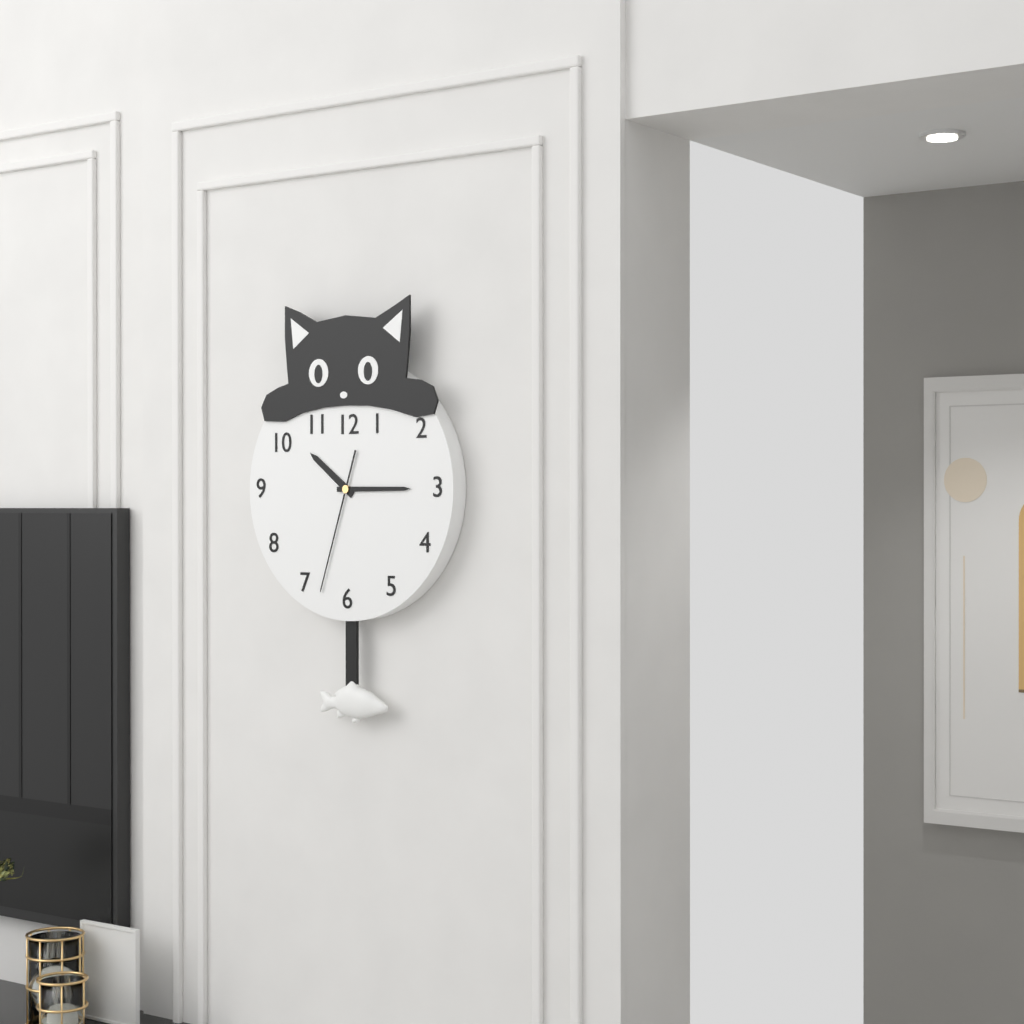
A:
10 h 15 min 33 s
